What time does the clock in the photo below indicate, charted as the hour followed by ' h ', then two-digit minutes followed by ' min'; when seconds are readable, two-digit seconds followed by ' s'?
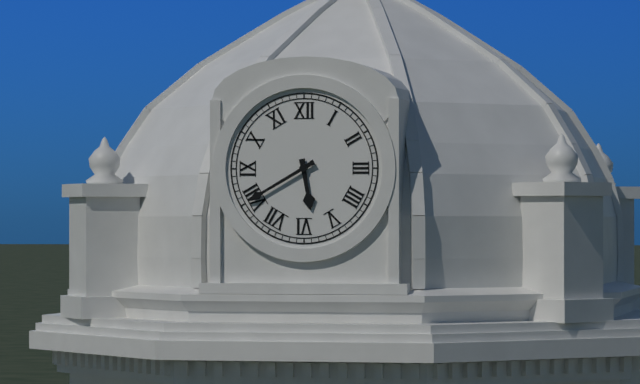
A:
5 h 40 min
